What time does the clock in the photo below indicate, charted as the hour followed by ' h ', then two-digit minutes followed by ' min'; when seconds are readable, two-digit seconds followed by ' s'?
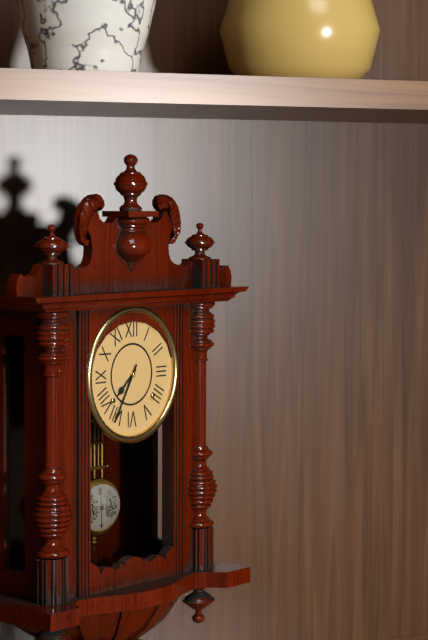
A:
7 h 35 min
